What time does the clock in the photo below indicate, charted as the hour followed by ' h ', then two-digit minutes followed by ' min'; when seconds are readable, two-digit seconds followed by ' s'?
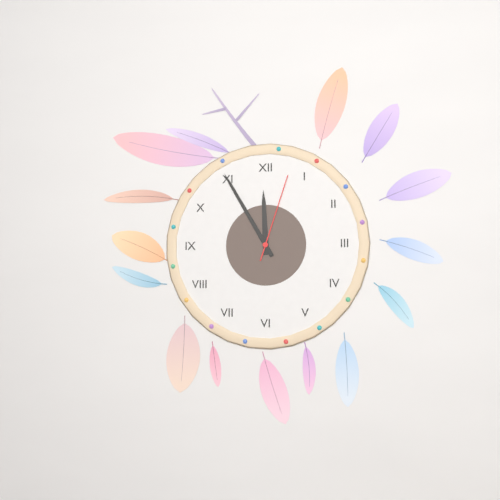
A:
11 h 55 min 03 s
